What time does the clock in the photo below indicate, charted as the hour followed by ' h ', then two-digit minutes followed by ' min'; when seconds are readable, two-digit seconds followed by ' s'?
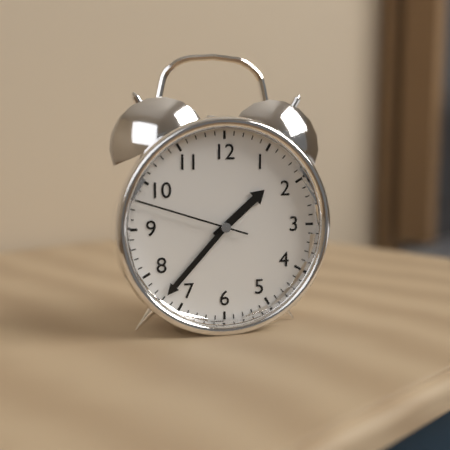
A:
1 h 37 min 48 s
